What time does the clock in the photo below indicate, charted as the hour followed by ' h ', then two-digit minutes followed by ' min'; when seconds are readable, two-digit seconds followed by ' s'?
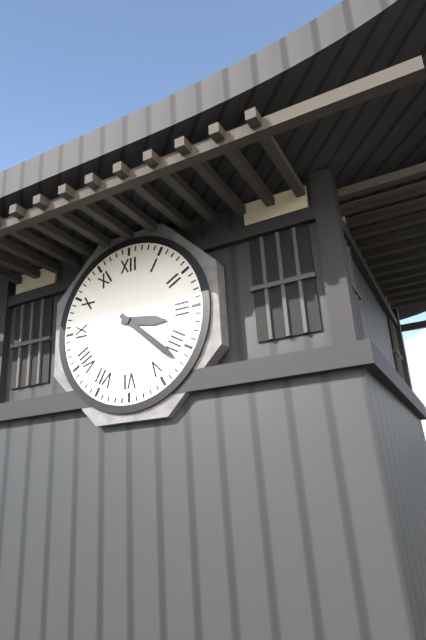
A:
3 h 22 min
